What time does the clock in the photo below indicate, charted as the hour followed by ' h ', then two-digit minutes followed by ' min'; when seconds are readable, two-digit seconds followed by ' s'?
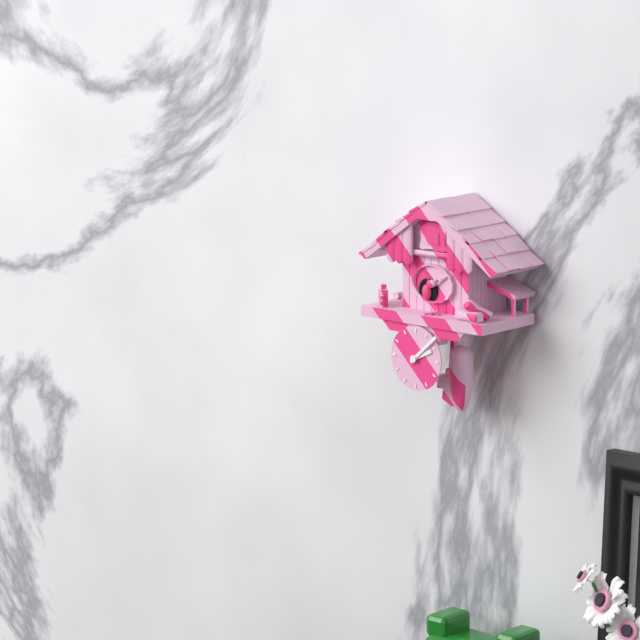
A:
2 h 08 min
